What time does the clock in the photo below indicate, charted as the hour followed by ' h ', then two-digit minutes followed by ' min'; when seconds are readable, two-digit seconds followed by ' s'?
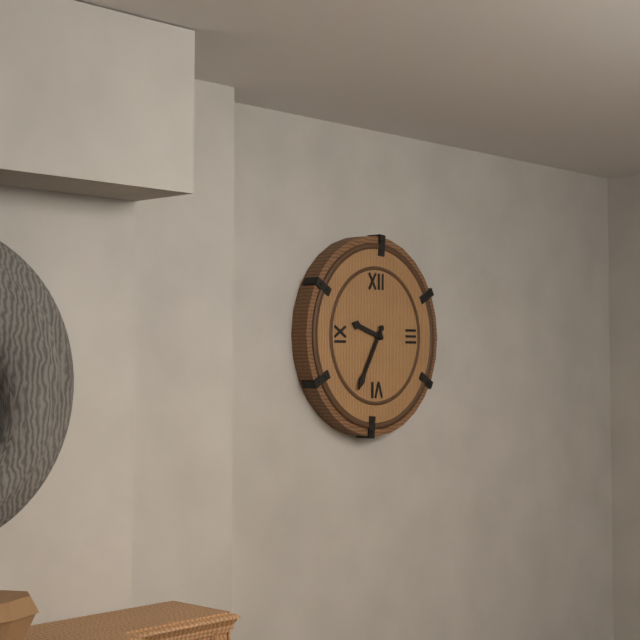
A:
9 h 35 min
